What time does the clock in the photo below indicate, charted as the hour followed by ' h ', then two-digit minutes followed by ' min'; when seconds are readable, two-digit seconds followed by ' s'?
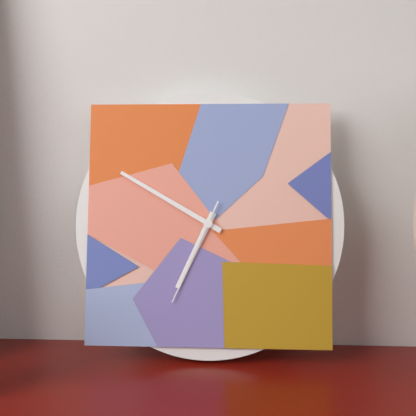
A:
6 h 50 min 34 s
